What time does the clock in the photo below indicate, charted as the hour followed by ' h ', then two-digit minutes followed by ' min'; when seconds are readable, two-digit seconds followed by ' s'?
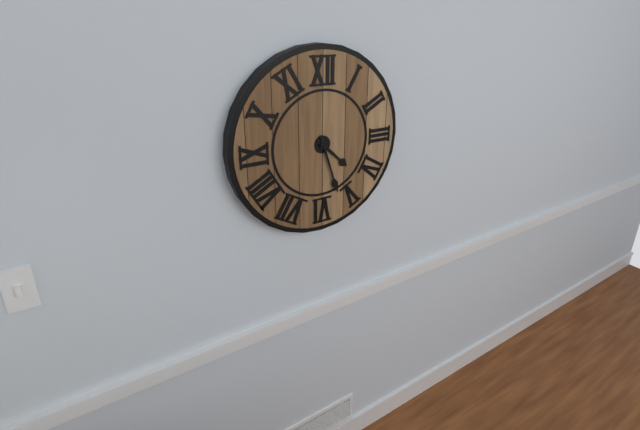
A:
4 h 27 min
